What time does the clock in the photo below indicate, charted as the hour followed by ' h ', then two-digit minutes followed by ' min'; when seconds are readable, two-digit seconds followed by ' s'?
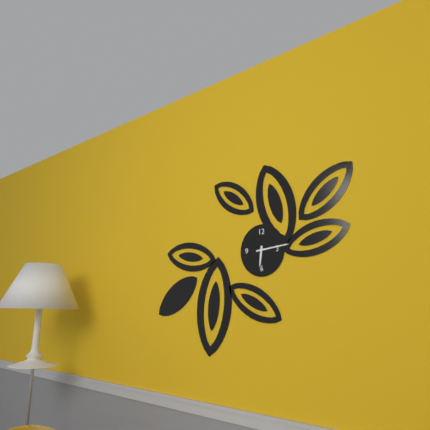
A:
6 h 14 min
